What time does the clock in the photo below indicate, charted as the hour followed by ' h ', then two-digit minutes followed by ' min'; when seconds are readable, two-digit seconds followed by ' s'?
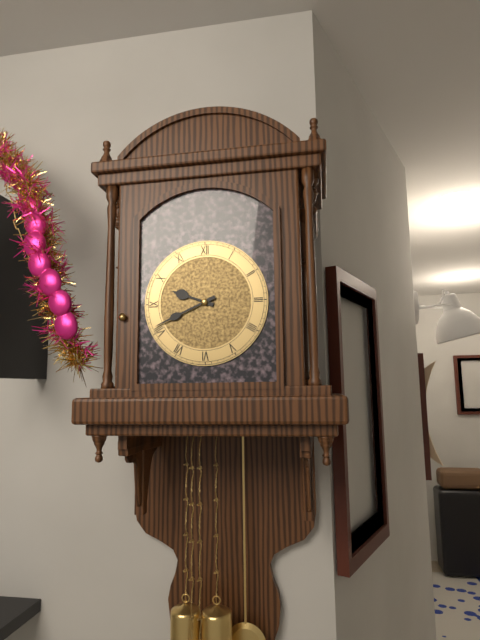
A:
9 h 41 min
